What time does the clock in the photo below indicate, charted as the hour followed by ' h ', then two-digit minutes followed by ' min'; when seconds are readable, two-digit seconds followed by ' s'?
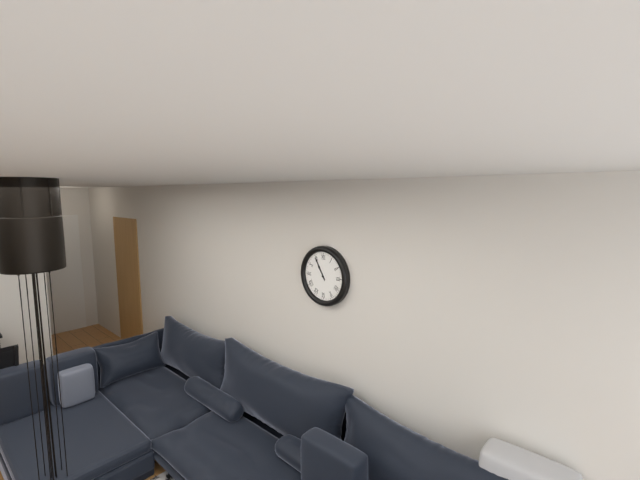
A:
10 h 55 min
